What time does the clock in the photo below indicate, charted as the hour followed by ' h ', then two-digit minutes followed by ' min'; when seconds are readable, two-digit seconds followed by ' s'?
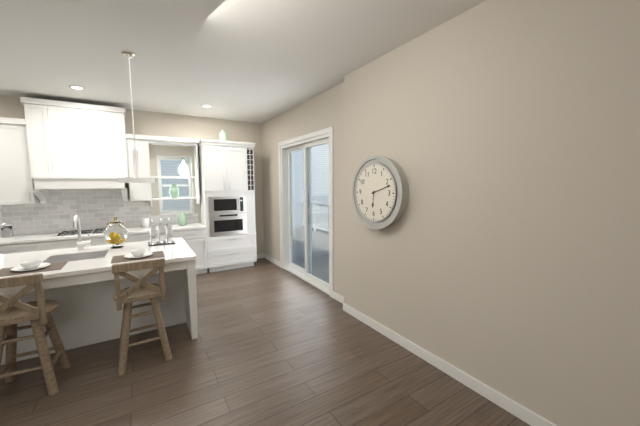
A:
6 h 12 min
